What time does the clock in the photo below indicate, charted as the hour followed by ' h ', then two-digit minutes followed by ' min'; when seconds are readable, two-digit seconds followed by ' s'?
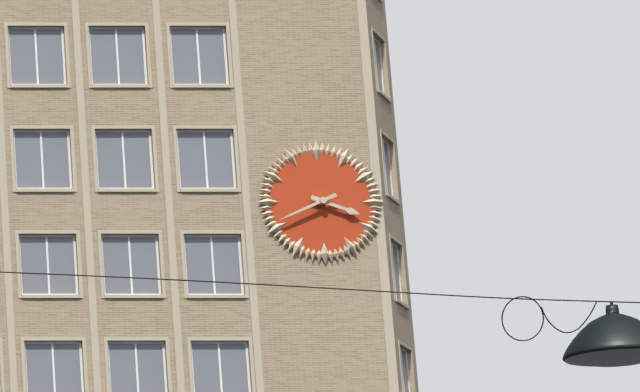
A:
3 h 41 min
